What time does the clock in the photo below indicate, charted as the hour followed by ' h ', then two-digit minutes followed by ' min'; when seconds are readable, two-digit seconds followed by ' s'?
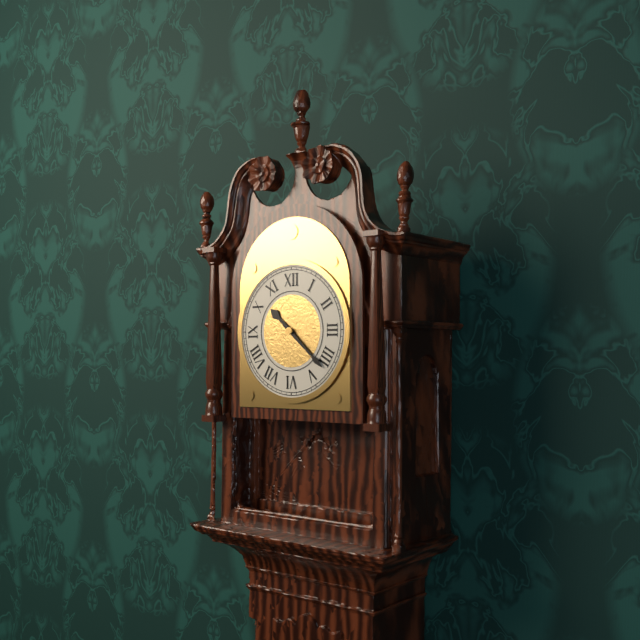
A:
10 h 22 min
